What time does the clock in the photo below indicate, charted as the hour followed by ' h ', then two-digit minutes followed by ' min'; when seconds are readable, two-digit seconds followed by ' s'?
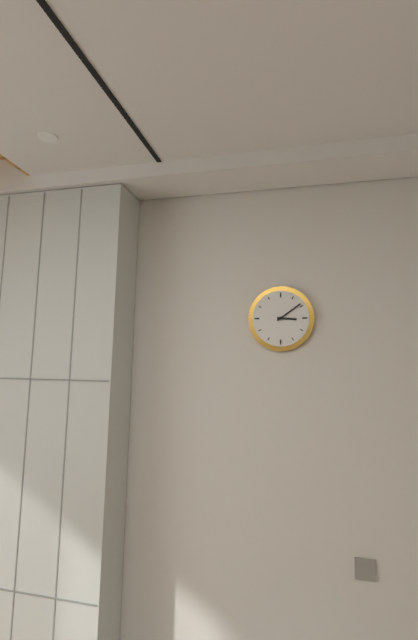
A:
3 h 09 min
